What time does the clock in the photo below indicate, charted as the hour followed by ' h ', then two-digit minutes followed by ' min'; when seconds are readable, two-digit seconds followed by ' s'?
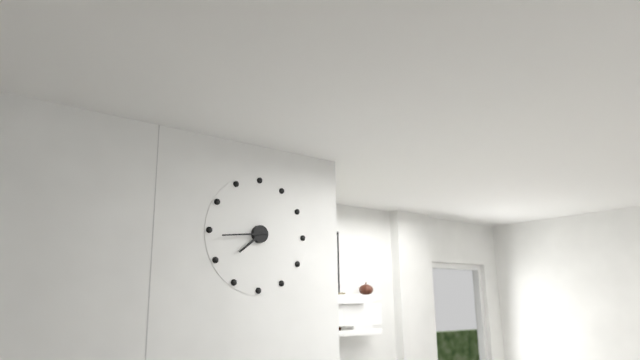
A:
7 h 44 min
